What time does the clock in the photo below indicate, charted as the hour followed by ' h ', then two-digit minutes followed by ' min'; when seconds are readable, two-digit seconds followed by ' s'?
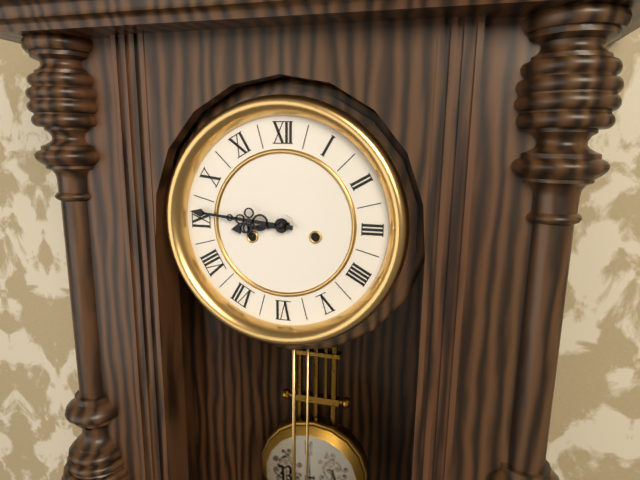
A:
8 h 46 min
